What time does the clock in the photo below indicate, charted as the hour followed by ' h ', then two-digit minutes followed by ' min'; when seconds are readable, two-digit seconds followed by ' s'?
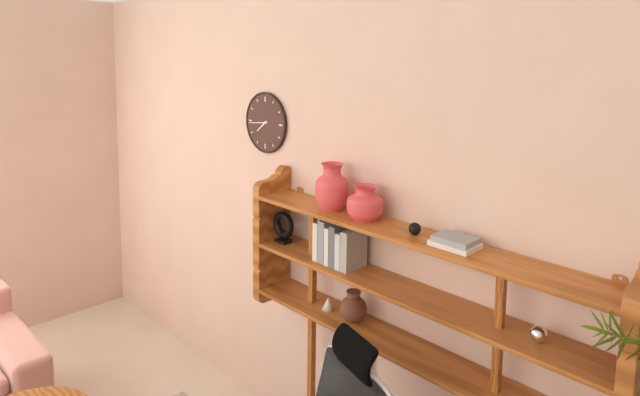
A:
7 h 44 min
